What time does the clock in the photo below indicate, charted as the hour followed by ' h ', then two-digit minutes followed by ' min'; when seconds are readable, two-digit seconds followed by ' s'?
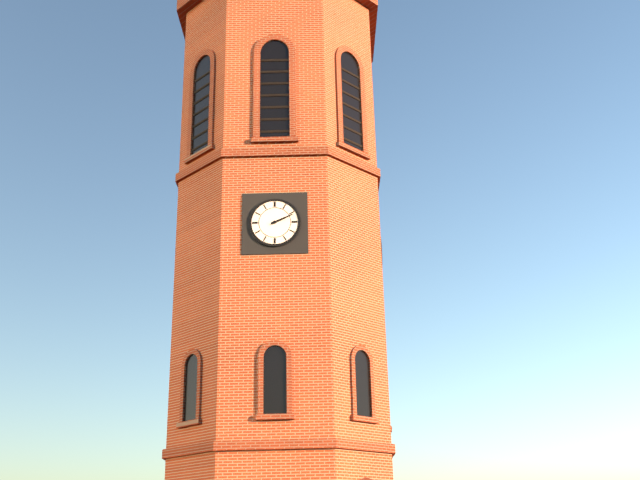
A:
2 h 11 min
